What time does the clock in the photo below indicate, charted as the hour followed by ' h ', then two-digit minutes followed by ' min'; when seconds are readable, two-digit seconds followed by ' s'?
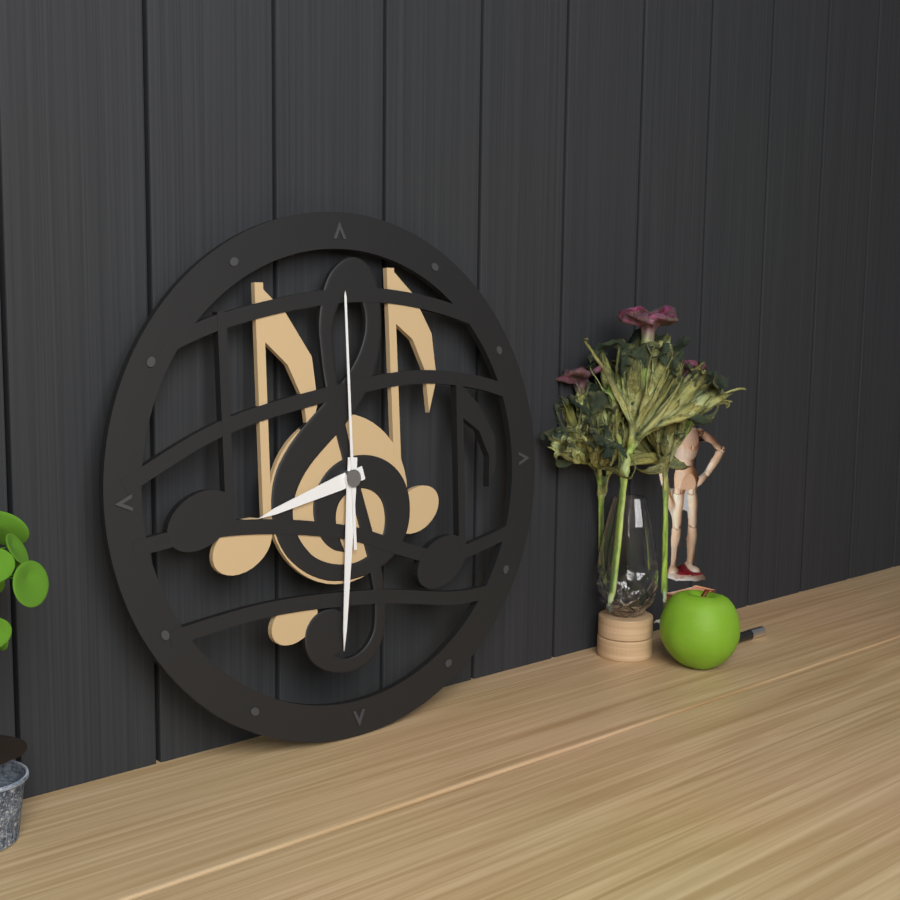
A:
8 h 31 min 00 s
